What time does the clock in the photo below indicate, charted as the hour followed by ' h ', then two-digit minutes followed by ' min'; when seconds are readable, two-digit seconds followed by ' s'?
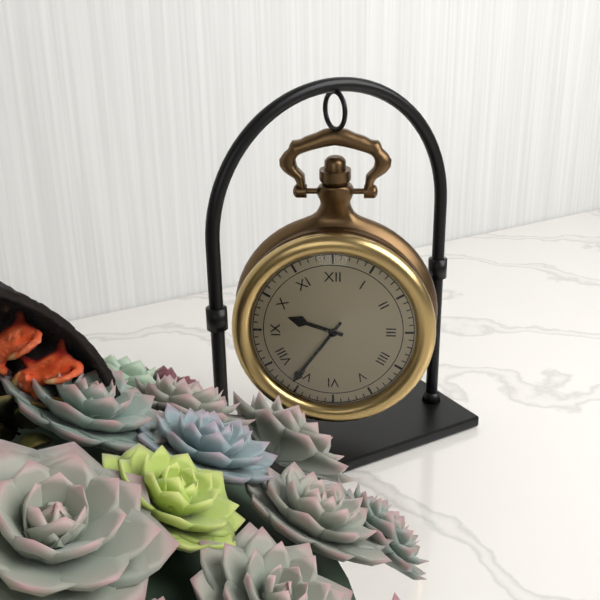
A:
9 h 36 min
